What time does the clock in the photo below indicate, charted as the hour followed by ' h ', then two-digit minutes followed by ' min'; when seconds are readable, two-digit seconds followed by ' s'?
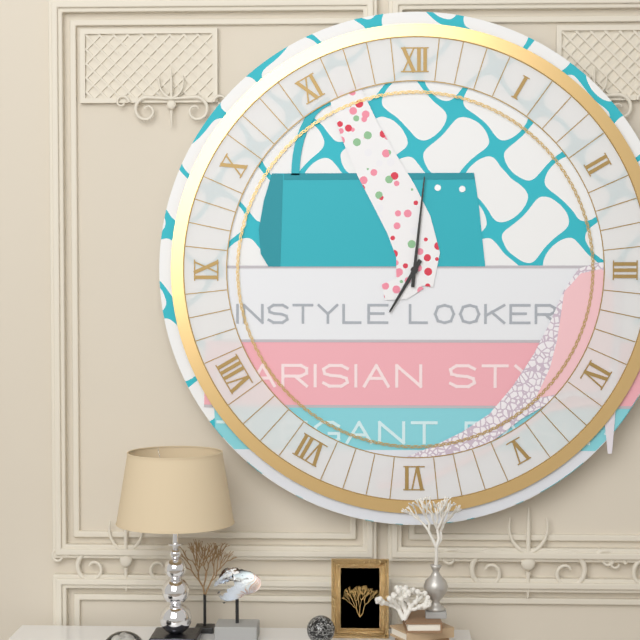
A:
7 h 01 min
